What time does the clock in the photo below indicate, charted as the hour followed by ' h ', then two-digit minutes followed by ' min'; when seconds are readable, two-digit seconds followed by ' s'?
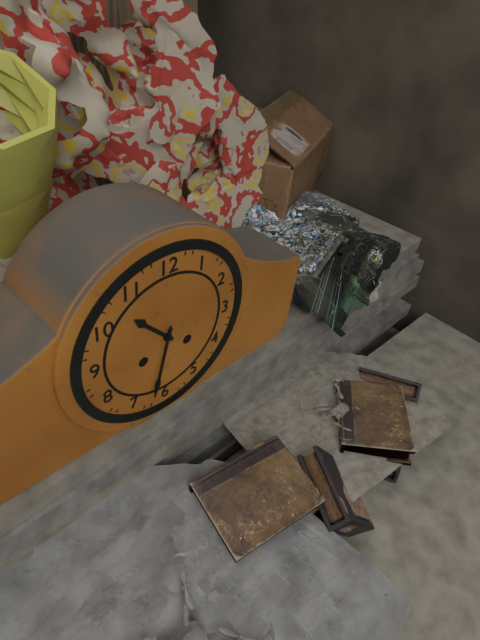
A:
10 h 32 min
